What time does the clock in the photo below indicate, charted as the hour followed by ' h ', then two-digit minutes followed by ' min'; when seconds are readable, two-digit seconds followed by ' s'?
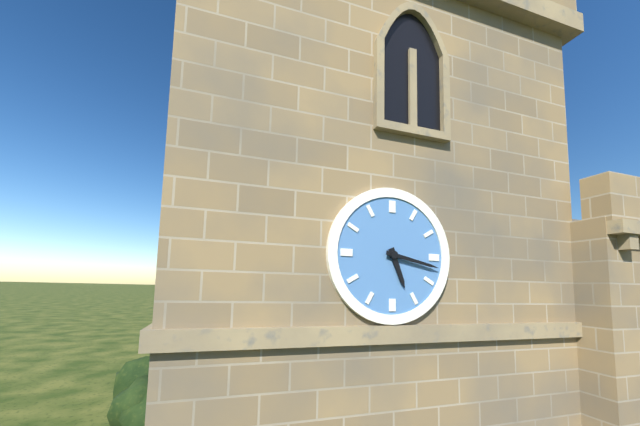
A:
5 h 17 min
